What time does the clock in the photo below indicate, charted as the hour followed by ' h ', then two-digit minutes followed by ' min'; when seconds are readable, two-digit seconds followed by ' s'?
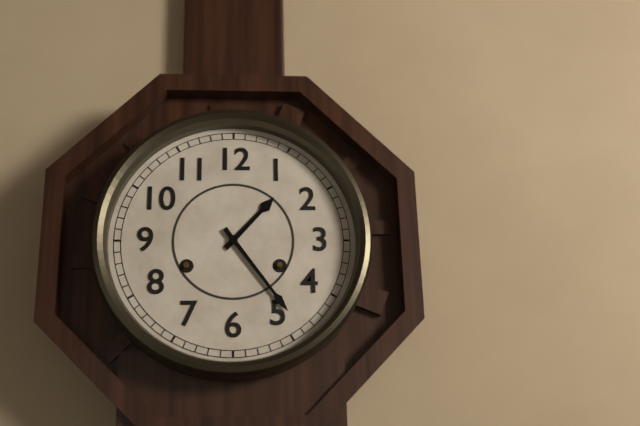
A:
1 h 24 min
